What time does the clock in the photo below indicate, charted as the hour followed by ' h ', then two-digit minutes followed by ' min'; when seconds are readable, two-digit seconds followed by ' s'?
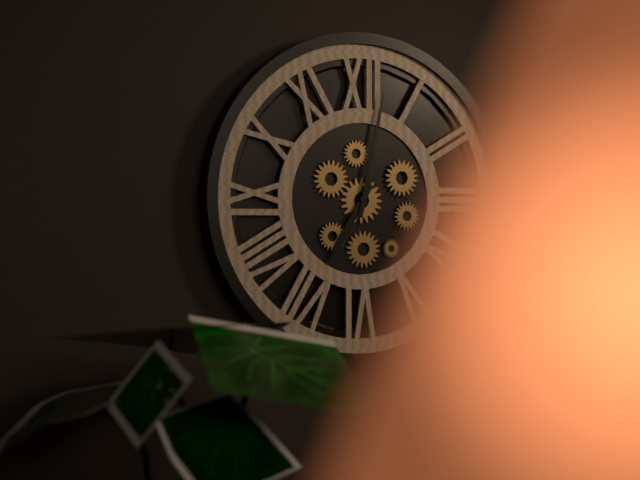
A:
7 h 02 min
